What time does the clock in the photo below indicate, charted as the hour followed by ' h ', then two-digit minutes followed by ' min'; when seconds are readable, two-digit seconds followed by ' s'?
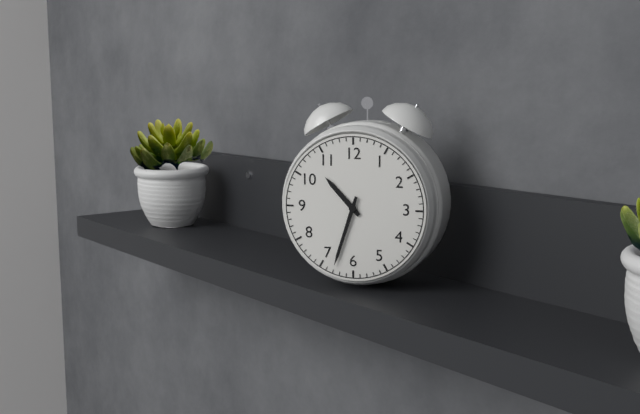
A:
10 h 33 min
